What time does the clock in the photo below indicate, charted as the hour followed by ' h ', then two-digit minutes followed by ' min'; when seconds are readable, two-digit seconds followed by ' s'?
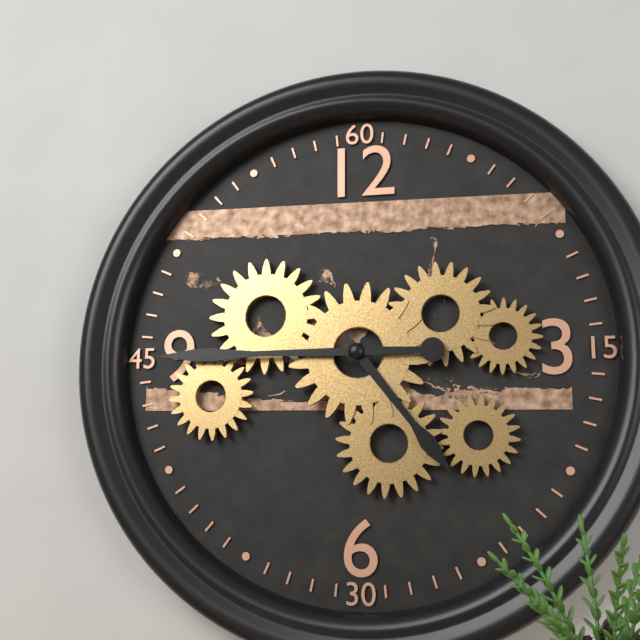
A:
4 h 45 min
